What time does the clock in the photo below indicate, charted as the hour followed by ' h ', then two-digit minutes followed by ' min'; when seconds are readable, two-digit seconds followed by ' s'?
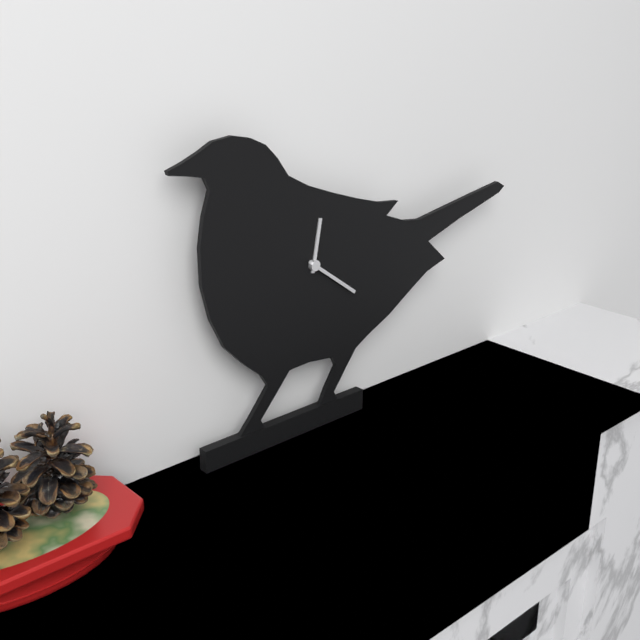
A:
12 h 21 min
